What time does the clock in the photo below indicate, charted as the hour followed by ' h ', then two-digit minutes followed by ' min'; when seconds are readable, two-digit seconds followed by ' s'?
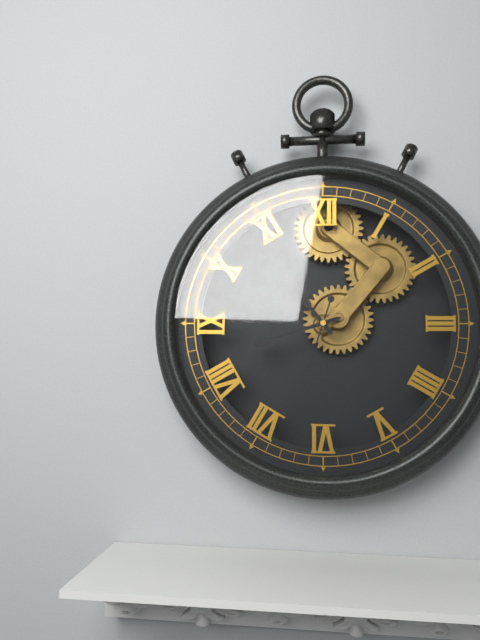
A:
10 h 42 min 33 s
